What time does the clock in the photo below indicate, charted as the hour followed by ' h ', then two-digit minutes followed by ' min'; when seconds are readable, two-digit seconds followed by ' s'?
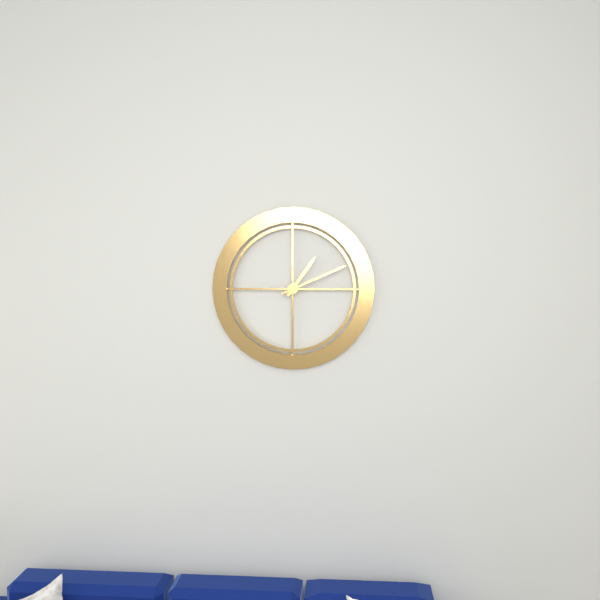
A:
1 h 11 min
